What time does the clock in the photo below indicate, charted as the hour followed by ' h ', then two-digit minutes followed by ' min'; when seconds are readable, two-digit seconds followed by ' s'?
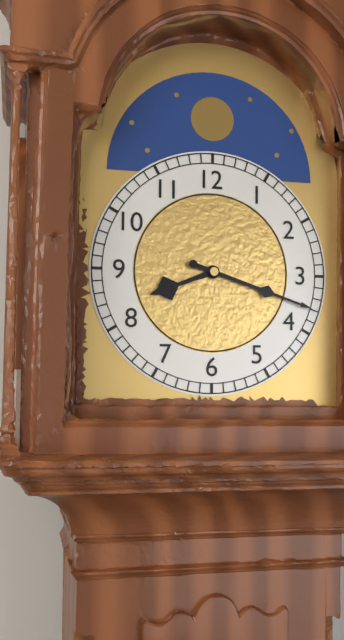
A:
8 h 18 min
